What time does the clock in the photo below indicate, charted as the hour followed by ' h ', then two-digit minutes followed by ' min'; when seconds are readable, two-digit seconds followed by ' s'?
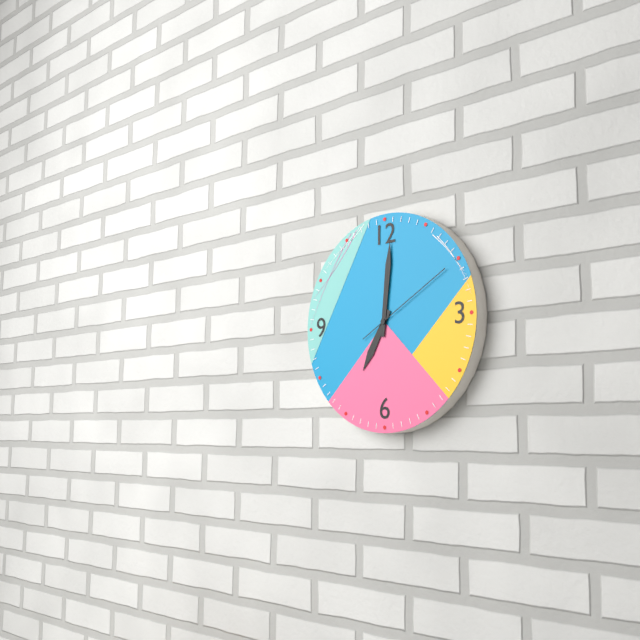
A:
7 h 01 min 10 s
